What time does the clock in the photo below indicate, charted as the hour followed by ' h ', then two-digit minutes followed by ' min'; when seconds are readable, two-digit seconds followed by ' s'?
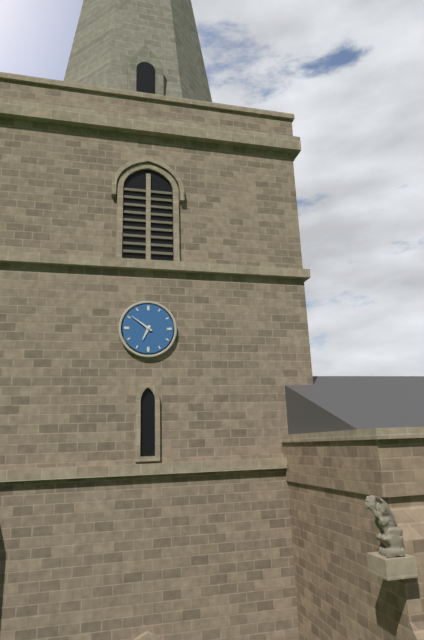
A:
6 h 51 min
